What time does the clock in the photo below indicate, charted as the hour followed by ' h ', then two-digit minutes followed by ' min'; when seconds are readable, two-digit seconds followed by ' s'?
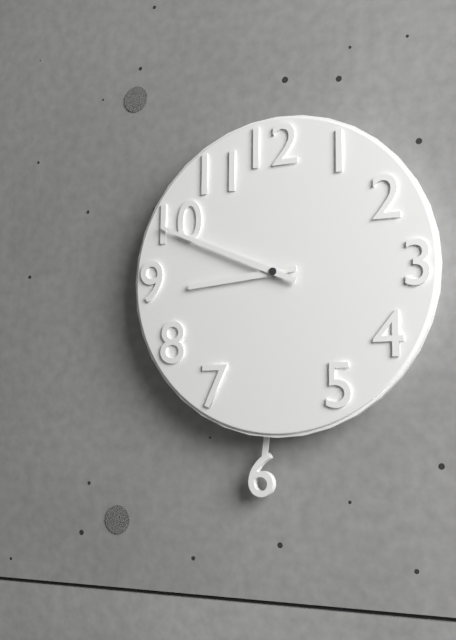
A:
8 h 49 min
